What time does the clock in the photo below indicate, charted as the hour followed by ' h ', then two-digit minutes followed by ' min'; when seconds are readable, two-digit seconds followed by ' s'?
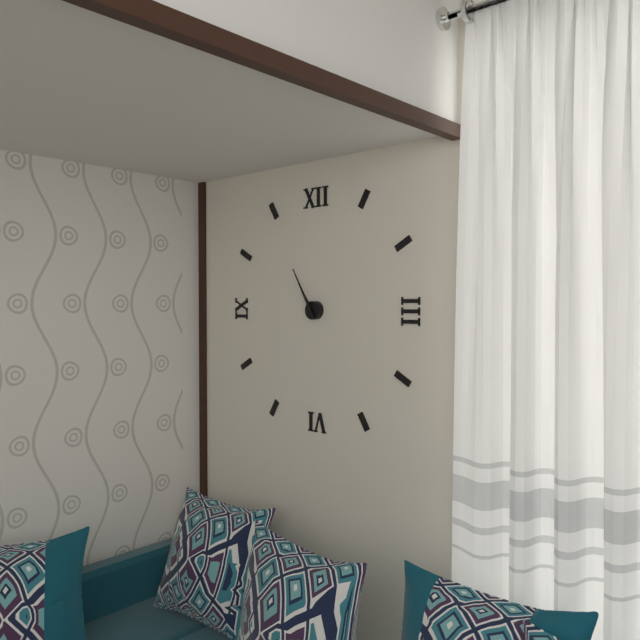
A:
10 h 55 min
